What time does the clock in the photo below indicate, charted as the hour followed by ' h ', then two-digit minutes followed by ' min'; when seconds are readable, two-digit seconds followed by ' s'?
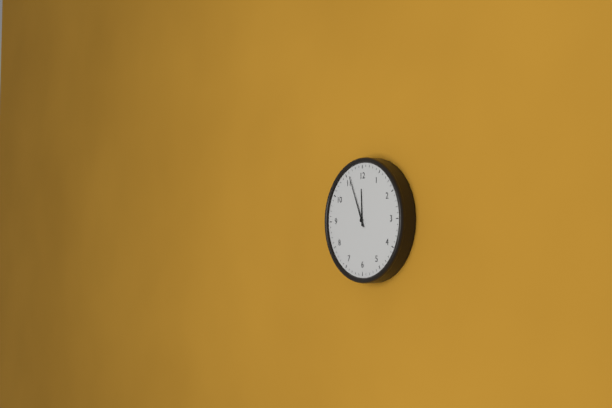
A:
11 h 56 min
